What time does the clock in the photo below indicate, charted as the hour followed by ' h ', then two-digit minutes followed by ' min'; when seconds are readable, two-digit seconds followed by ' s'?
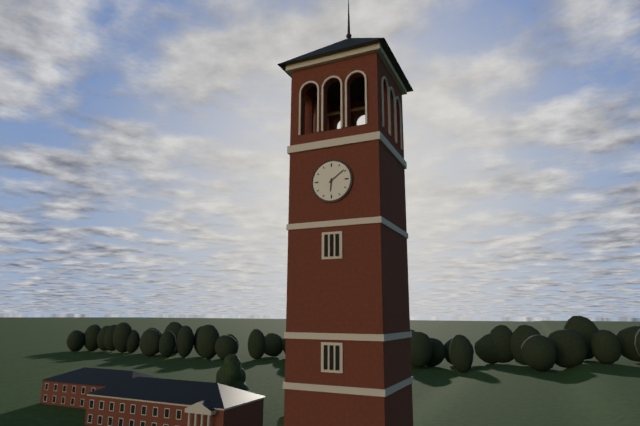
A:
6 h 09 min
